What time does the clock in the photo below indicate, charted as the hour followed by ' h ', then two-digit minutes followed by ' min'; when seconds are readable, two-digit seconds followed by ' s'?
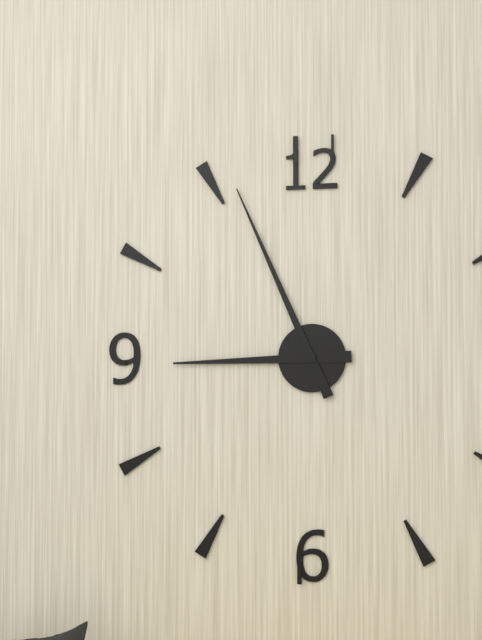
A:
8 h 56 min
